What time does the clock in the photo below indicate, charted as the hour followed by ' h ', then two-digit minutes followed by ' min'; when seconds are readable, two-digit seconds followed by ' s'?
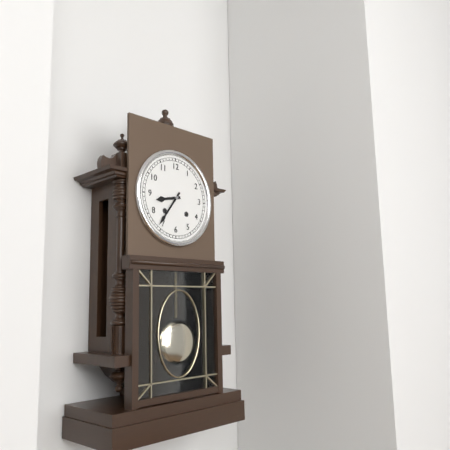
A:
8 h 36 min
